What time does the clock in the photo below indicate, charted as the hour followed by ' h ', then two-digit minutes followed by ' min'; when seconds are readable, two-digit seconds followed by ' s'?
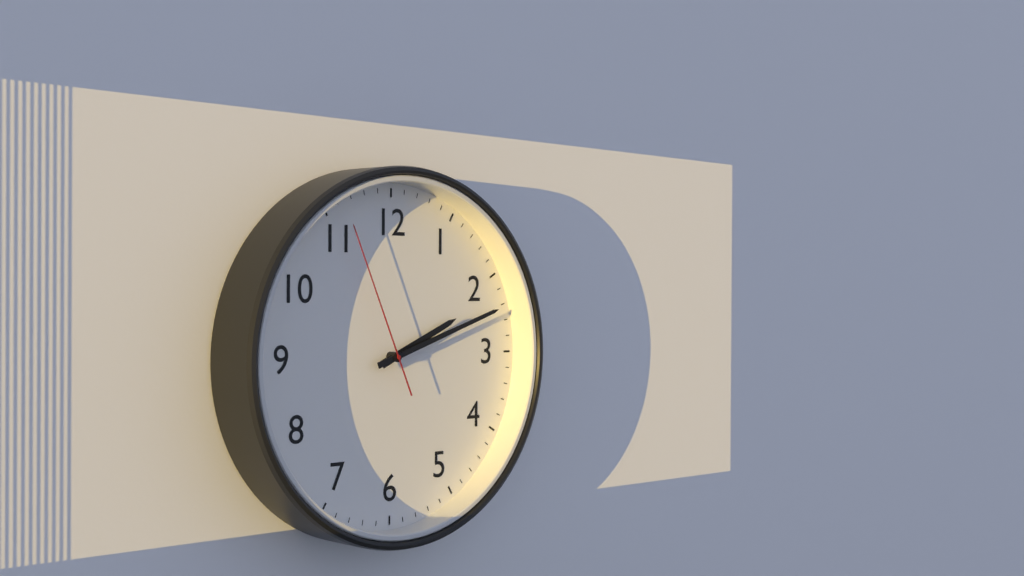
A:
2 h 12 min 56 s
